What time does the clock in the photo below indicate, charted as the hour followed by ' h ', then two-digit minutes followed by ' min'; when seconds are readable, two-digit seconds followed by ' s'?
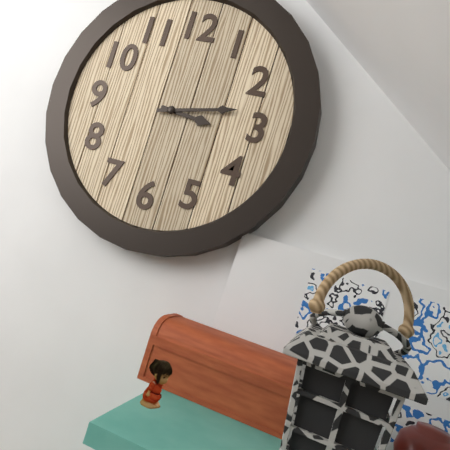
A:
3 h 13 min
